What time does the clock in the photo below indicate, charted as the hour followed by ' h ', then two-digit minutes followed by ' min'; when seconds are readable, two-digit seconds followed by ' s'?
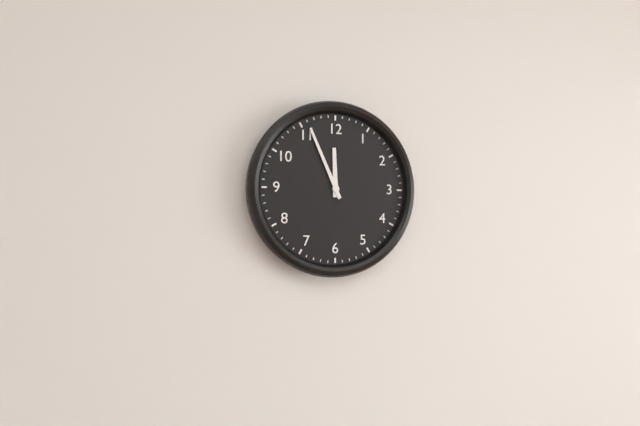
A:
11 h 56 min
